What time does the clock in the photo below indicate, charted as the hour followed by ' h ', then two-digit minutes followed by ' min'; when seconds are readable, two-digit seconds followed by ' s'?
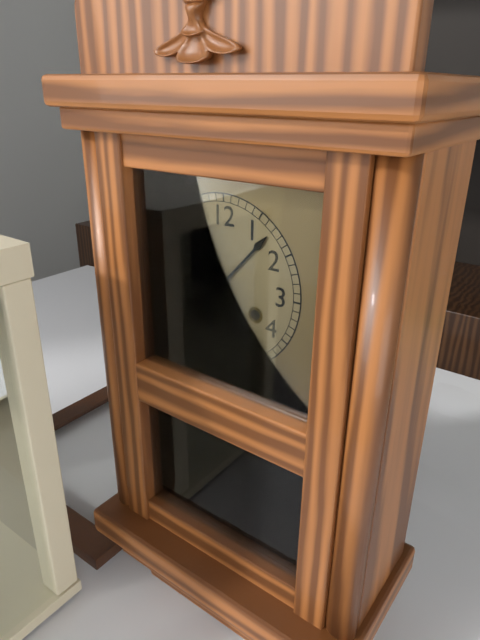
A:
6 h 07 min
